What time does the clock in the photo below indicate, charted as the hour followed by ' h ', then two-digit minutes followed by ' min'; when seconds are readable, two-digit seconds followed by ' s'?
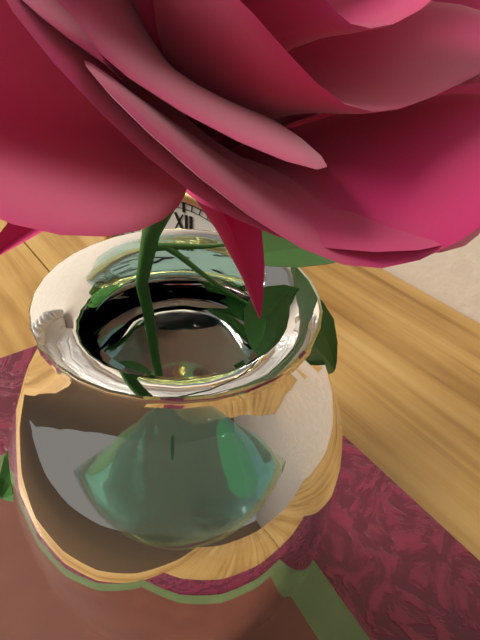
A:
5 h 47 min
